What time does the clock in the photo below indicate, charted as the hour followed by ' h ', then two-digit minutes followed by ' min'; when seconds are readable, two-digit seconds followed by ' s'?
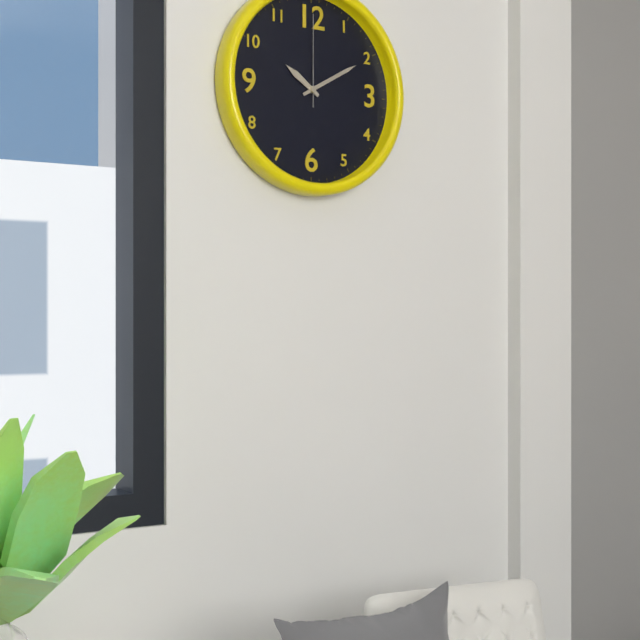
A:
10 h 10 min 00 s
